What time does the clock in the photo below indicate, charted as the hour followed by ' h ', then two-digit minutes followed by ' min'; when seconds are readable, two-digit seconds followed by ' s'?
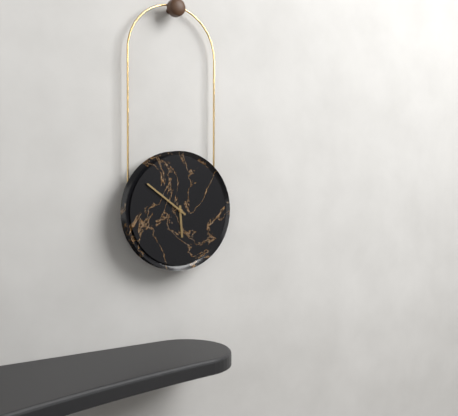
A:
5 h 51 min
